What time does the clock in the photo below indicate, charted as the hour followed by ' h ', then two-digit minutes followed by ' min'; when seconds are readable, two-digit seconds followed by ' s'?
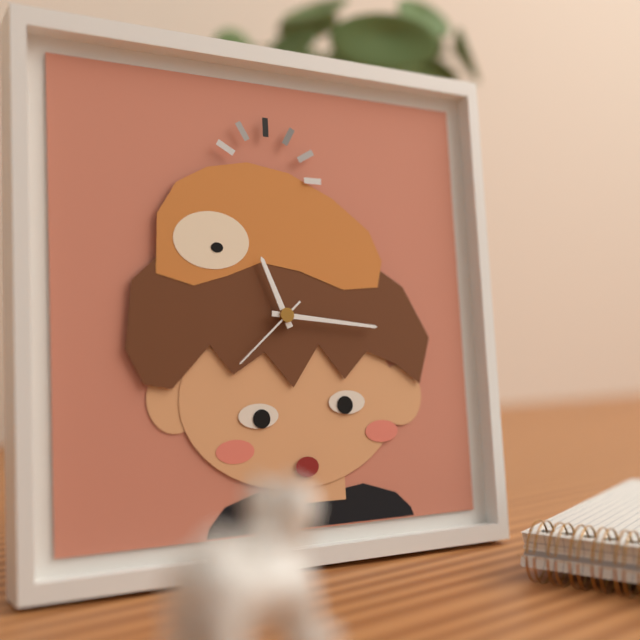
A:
11 h 16 min 38 s
